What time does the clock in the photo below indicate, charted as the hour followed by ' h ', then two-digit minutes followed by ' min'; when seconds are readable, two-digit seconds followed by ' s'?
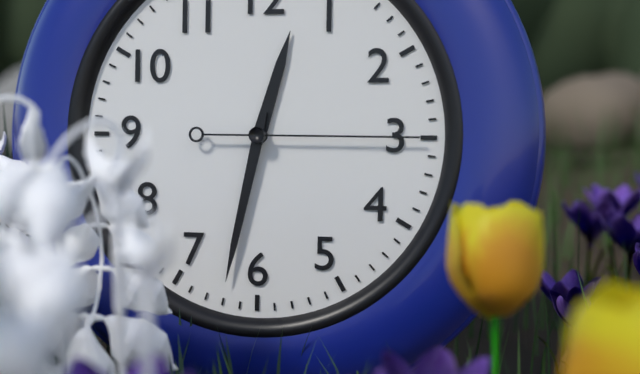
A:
12 h 32 min 15 s
